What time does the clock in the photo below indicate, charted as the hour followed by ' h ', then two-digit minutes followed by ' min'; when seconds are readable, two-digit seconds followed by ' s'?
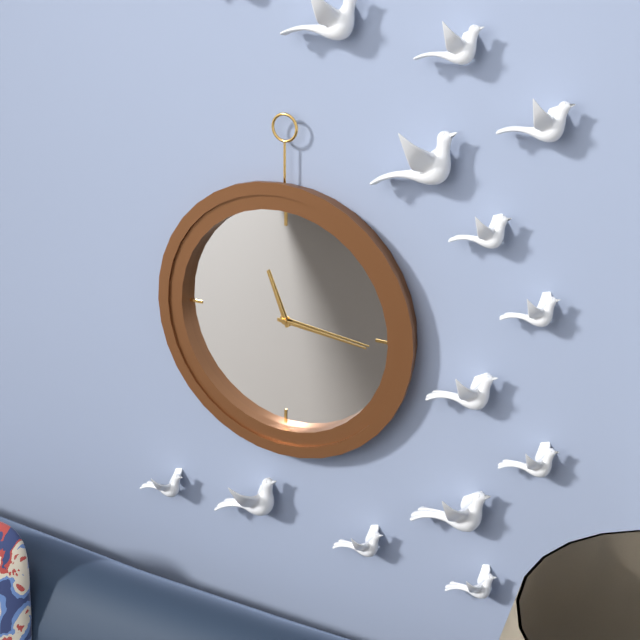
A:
11 h 16 min
